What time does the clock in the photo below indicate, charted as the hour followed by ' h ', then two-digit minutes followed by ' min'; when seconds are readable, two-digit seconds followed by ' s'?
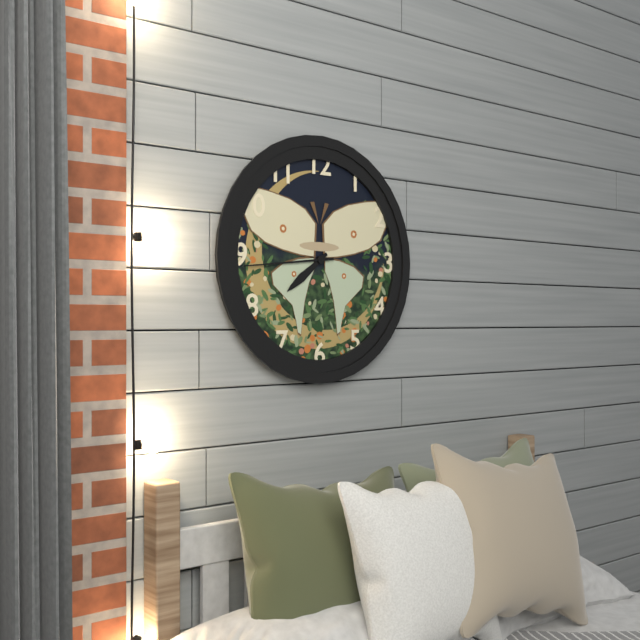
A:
7 h 44 min
